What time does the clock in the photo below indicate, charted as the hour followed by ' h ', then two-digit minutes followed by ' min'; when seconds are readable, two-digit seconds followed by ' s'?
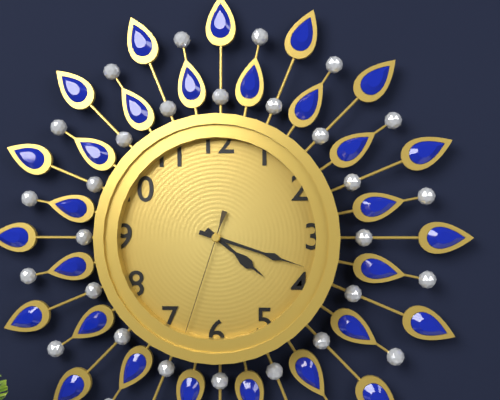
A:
4 h 18 min 33 s
